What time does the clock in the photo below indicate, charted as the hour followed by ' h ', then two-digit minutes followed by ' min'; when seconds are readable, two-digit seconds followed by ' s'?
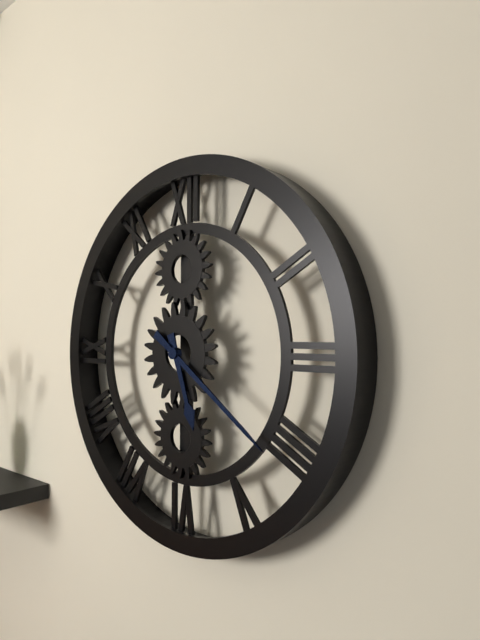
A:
5 h 21 min
